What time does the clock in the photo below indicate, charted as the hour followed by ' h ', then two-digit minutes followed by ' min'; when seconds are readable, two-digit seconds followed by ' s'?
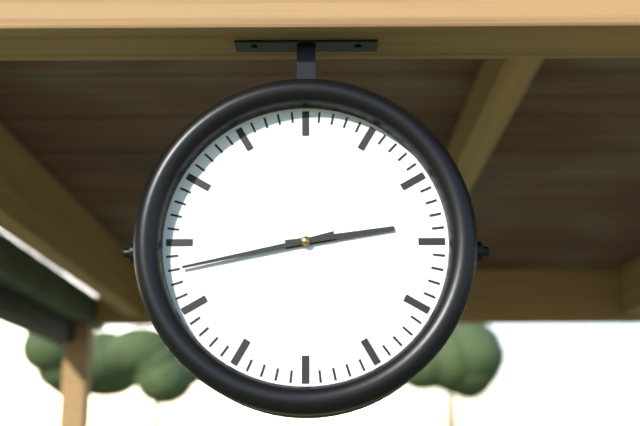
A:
2 h 43 min
